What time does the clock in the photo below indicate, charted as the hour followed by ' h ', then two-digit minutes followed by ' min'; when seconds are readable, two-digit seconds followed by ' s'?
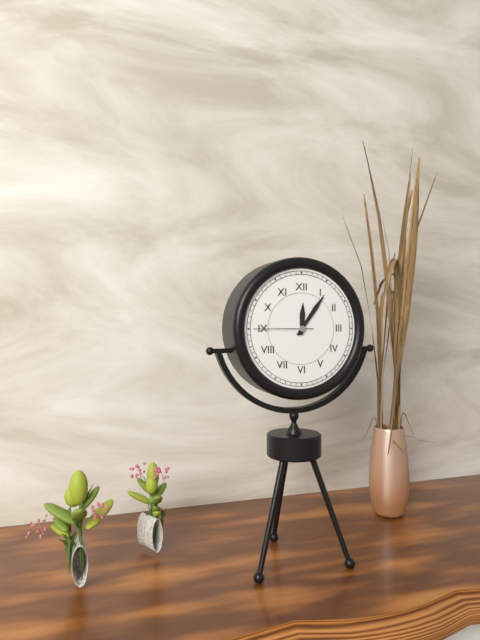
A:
12 h 06 min 45 s
